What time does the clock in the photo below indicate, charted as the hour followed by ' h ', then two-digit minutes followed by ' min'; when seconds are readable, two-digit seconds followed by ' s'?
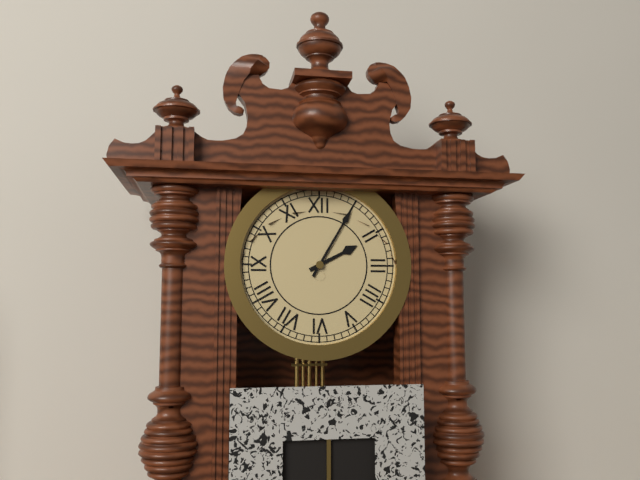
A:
2 h 05 min
